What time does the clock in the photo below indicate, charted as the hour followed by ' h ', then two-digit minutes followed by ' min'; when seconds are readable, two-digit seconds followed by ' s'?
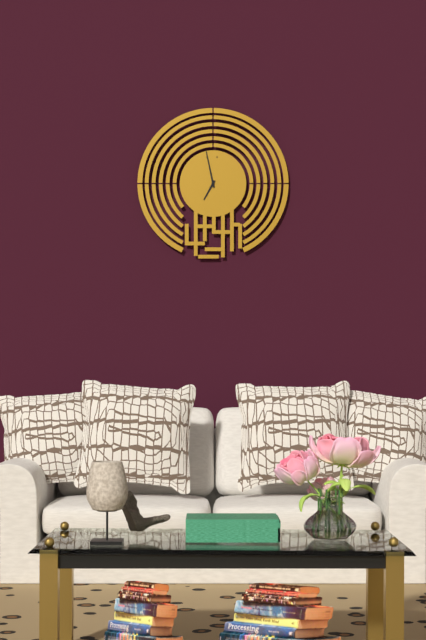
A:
6 h 58 min
